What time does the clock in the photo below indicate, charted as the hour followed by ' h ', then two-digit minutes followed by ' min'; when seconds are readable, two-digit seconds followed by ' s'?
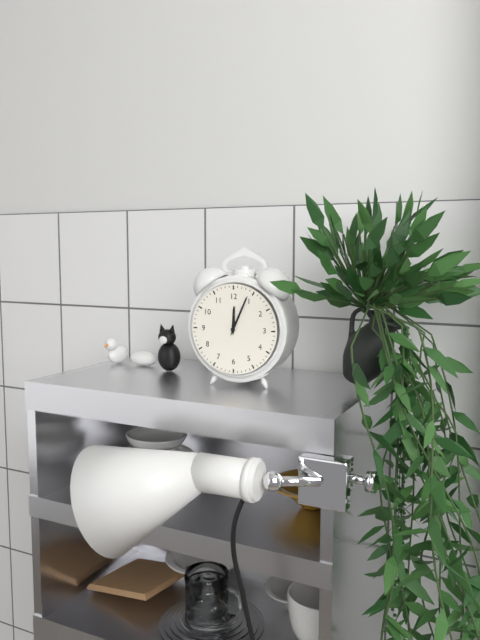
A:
12 h 04 min
